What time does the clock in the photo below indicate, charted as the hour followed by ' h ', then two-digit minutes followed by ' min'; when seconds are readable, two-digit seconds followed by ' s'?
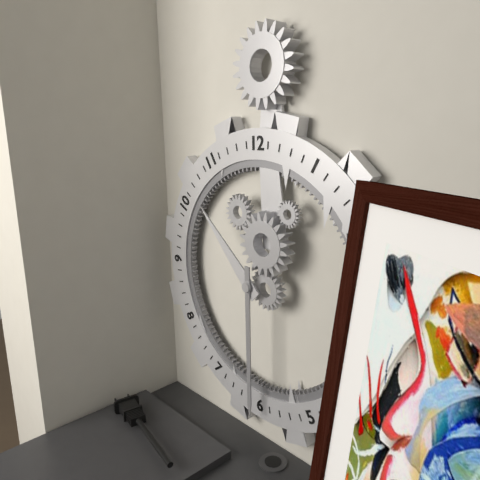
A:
10 h 30 min
